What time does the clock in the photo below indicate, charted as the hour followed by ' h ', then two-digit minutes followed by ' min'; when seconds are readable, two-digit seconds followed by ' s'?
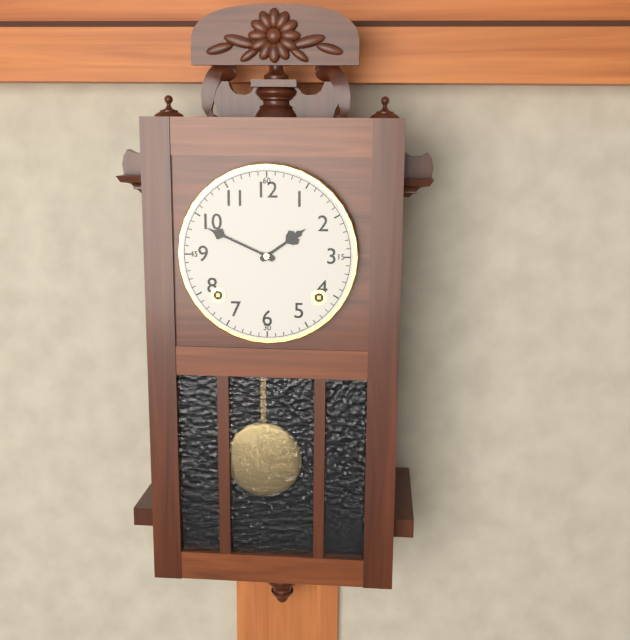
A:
1 h 49 min
